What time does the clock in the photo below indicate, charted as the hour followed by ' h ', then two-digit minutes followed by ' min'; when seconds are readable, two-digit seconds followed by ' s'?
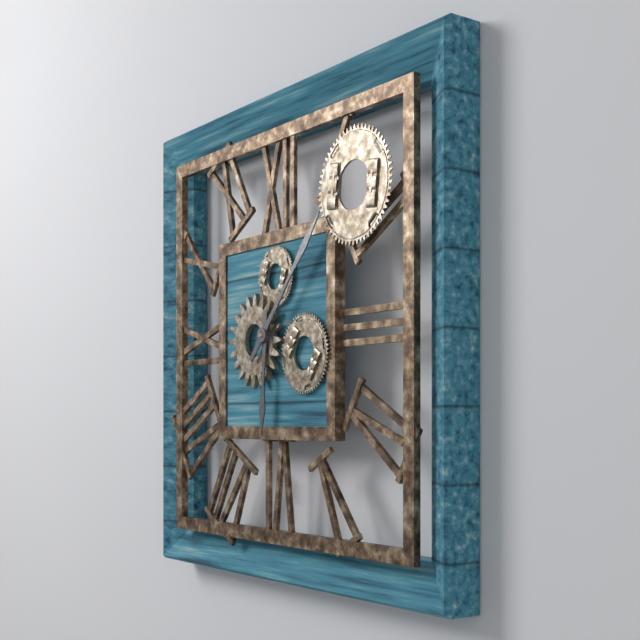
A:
6 h 07 min
